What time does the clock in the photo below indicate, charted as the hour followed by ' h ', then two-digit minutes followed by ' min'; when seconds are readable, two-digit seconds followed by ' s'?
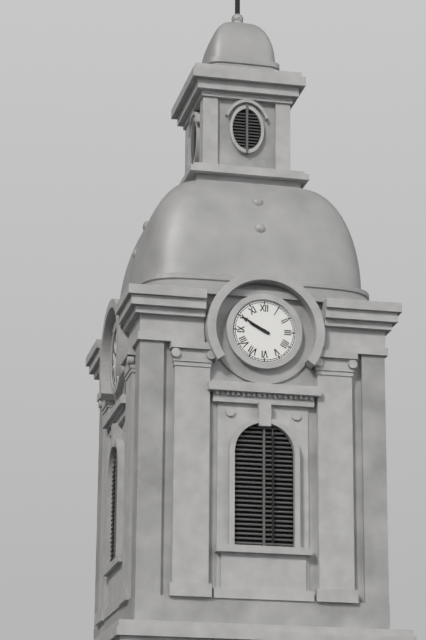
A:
9 h 50 min
